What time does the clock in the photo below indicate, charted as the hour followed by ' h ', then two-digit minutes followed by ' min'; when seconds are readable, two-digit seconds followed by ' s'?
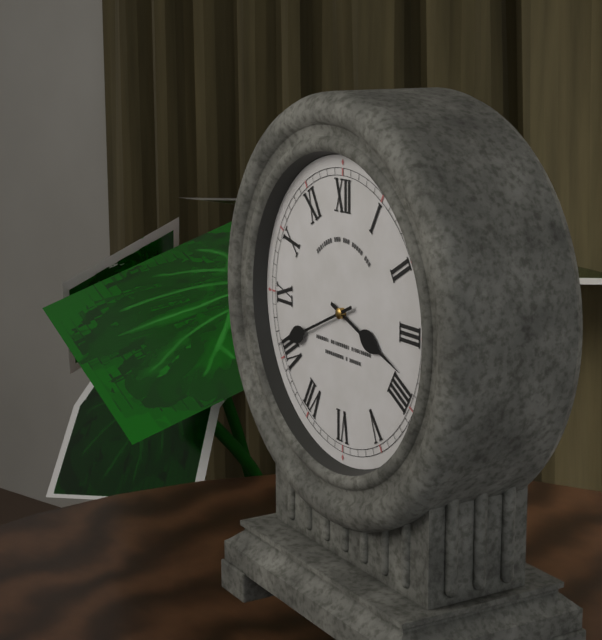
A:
3 h 41 min
